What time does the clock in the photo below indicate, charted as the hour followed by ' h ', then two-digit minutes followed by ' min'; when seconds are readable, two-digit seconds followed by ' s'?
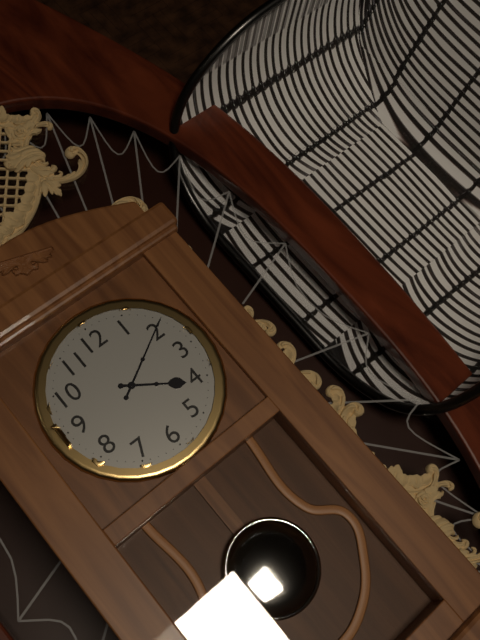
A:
4 h 10 min
